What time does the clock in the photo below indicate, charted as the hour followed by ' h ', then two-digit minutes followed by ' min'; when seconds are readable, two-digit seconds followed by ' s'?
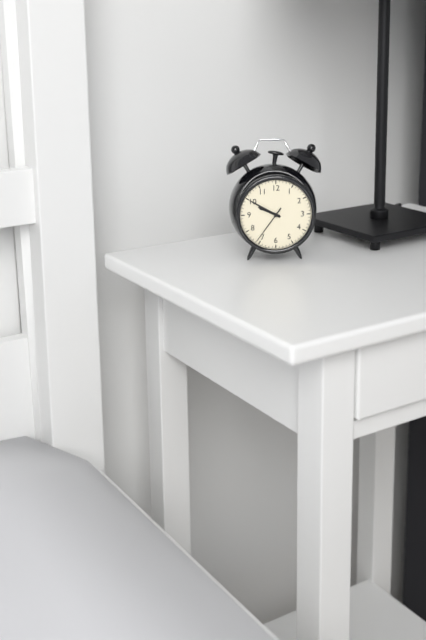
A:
9 h 50 min
